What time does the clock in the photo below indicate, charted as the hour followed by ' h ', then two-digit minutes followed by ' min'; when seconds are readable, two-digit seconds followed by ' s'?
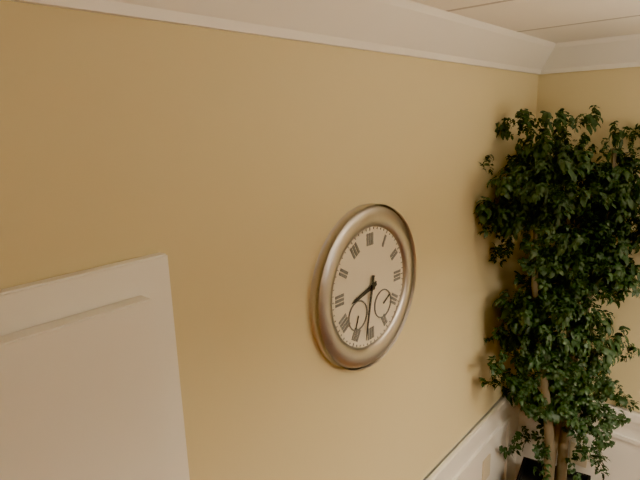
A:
8 h 32 min
